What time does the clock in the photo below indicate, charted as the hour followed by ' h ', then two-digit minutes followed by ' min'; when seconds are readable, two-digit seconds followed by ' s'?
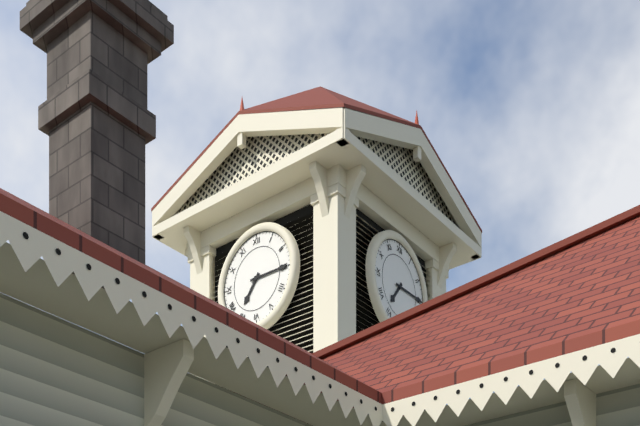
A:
7 h 15 min
